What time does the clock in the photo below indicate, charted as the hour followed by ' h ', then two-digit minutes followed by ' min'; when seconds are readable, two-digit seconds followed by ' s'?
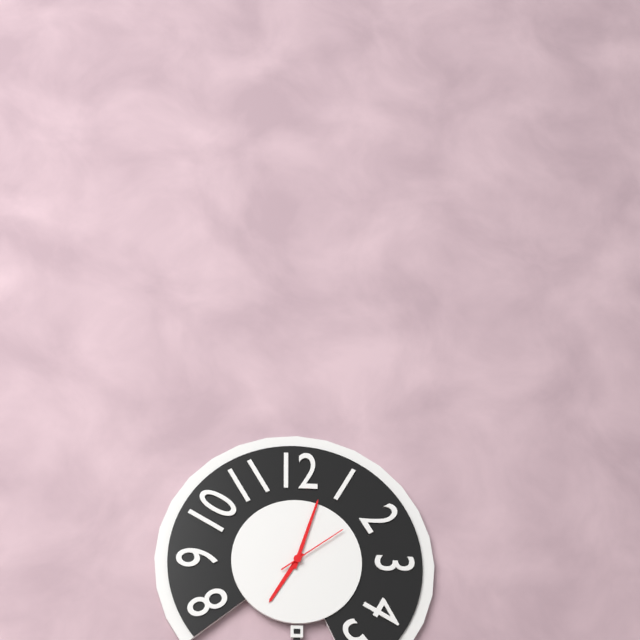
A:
7 h 03 min 09 s
